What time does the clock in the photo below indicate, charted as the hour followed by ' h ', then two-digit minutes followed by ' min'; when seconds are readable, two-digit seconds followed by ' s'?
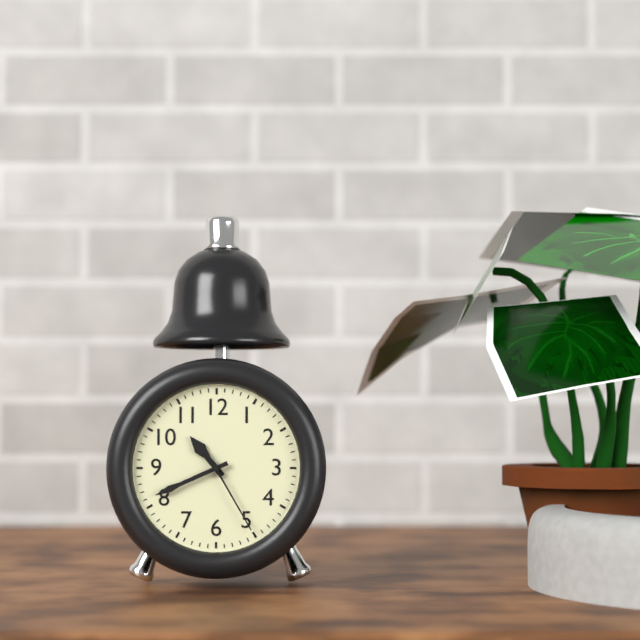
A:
10 h 41 min 25 s
